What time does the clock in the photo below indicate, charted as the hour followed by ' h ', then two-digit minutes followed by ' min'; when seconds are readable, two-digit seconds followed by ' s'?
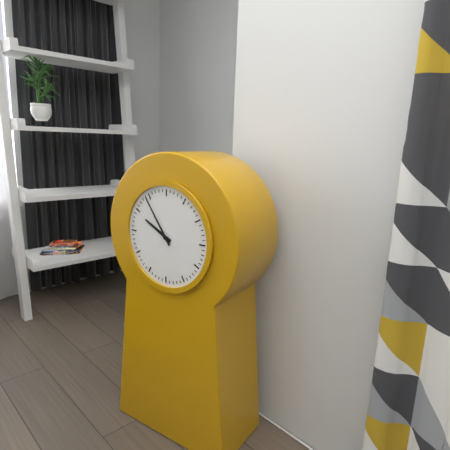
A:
9 h 54 min
